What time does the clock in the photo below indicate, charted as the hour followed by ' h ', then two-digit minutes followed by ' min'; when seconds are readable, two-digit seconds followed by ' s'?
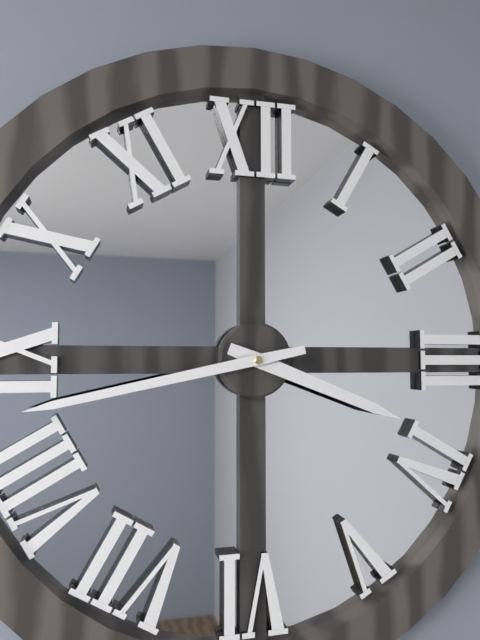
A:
3 h 43 min
